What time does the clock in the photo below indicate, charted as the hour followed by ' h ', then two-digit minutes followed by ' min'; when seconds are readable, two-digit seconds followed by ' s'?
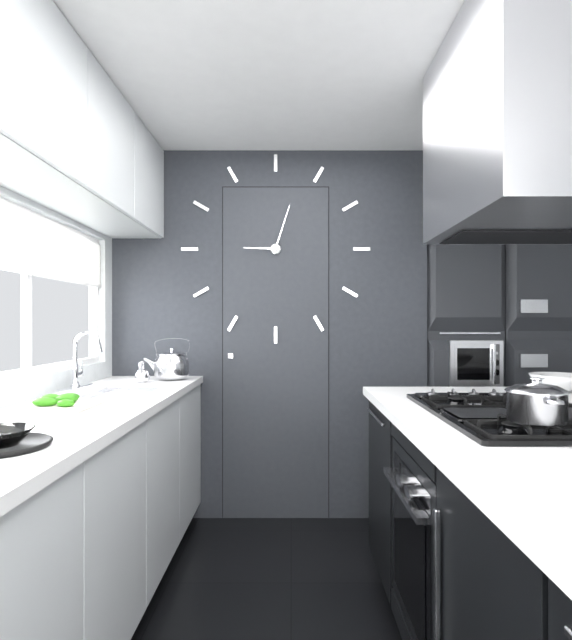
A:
9 h 03 min
